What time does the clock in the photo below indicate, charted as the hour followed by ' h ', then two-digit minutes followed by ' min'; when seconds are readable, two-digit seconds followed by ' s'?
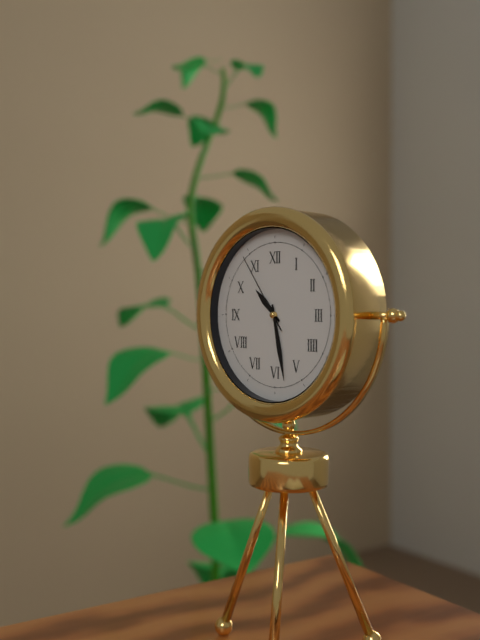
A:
10 h 28 min 54 s
